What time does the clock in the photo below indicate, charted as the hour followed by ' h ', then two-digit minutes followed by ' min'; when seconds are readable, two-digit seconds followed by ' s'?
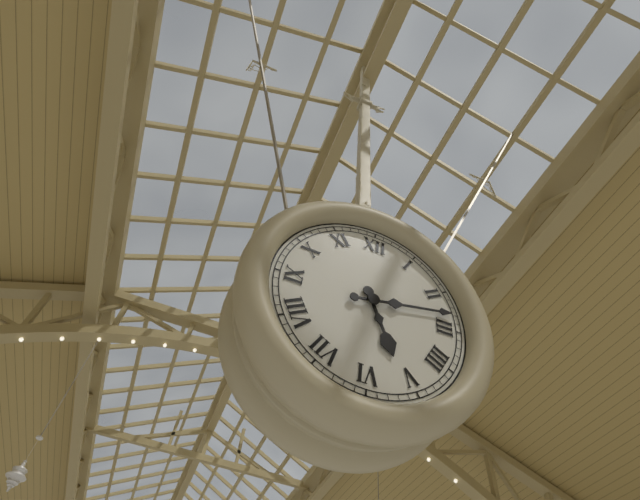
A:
5 h 13 min
